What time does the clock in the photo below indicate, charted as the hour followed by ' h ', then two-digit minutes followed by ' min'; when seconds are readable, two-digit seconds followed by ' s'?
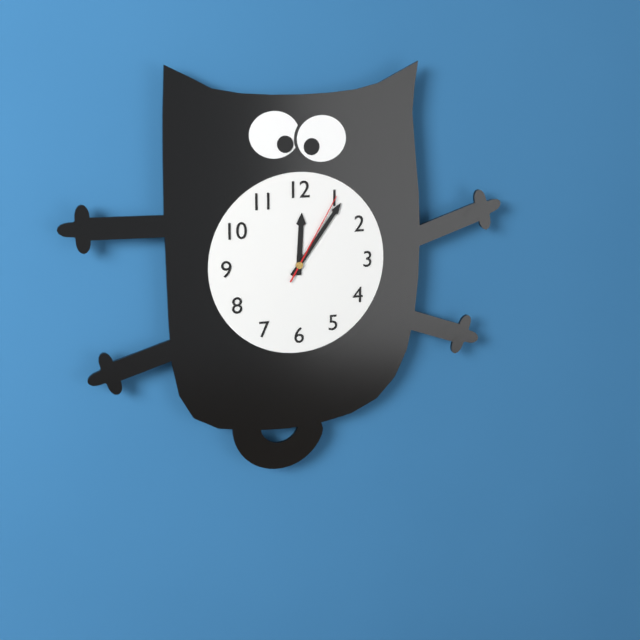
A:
12 h 06 min 05 s
